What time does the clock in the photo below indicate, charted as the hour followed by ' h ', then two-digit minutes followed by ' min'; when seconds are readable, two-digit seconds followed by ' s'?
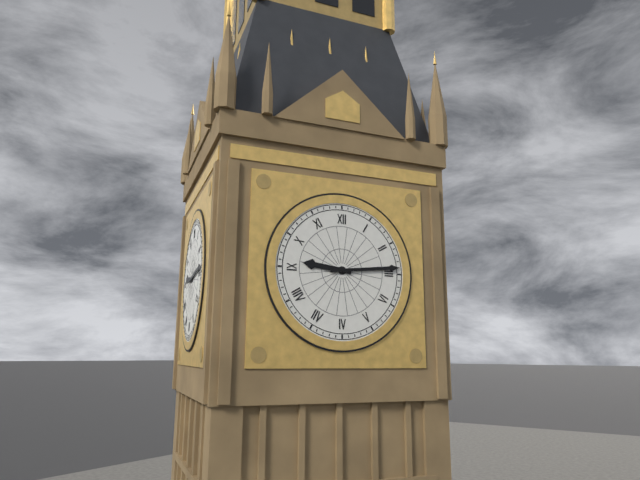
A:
9 h 14 min
